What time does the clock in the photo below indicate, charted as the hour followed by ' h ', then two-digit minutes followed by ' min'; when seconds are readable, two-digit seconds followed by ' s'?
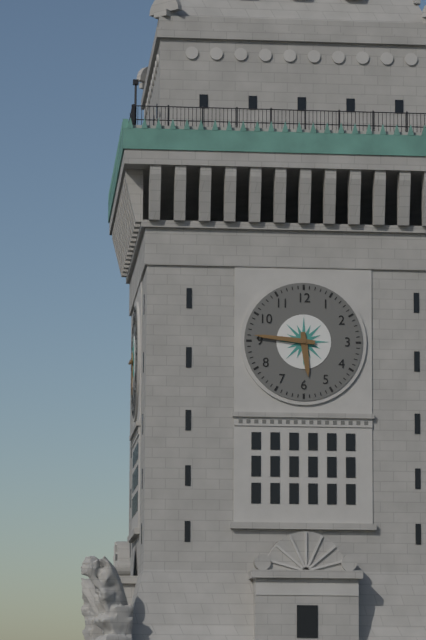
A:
5 h 46 min
